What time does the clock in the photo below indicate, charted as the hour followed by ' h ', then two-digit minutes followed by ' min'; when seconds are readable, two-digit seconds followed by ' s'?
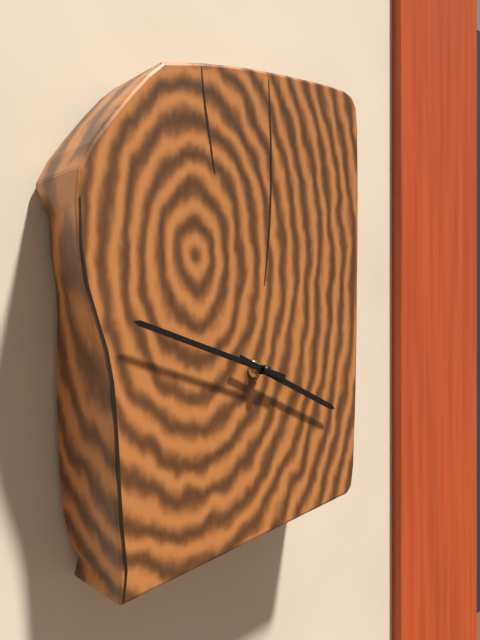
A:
3 h 48 min
